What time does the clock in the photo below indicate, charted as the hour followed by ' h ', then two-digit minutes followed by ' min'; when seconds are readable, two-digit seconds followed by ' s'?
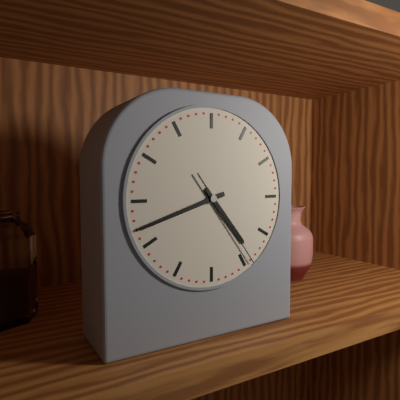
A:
4 h 42 min 24 s
